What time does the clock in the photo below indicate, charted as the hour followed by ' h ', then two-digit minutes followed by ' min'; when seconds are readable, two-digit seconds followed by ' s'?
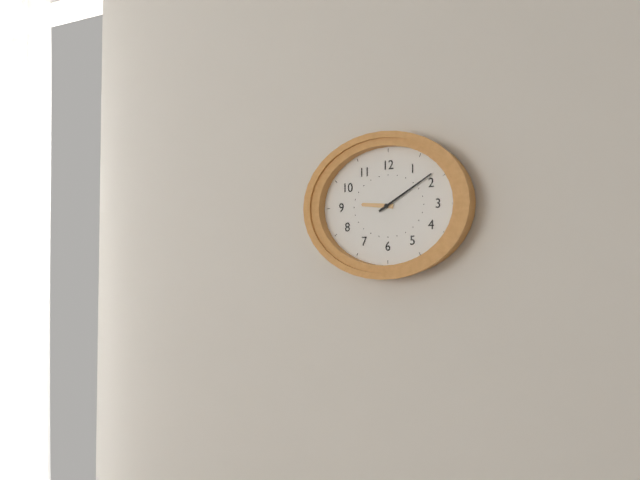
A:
9 h 10 min
